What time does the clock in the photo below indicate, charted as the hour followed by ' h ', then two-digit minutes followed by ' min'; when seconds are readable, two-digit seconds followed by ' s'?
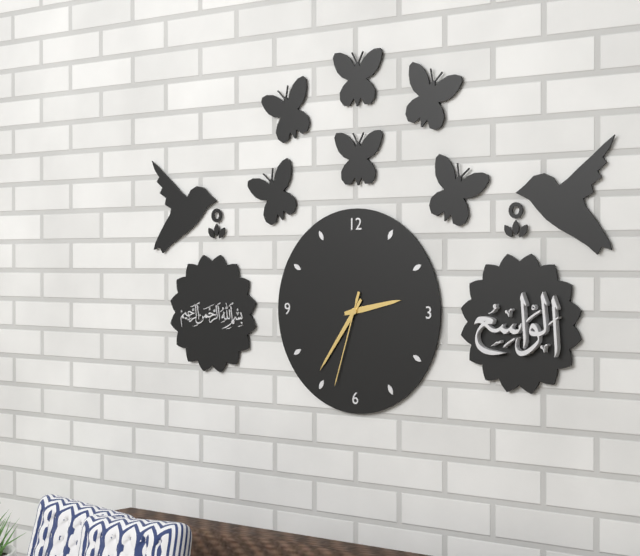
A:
2 h 36 min 33 s
